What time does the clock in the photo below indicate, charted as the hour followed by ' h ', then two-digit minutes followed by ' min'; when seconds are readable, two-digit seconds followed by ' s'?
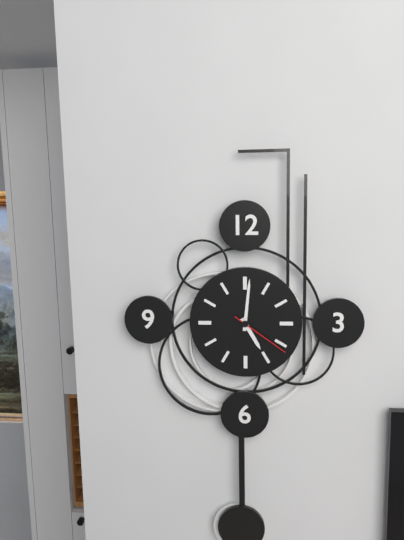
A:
5 h 01 min 21 s
